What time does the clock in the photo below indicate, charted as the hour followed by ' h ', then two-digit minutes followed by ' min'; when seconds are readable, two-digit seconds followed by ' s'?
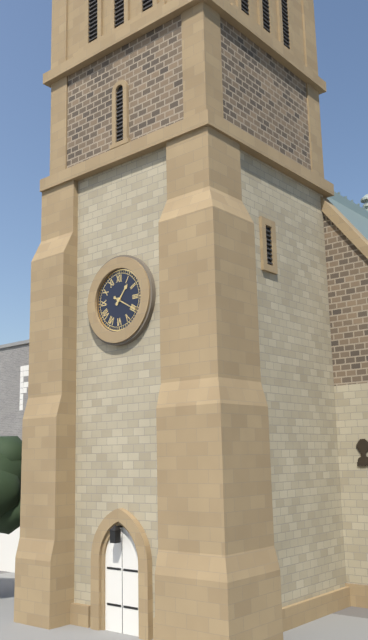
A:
1 h 20 min
